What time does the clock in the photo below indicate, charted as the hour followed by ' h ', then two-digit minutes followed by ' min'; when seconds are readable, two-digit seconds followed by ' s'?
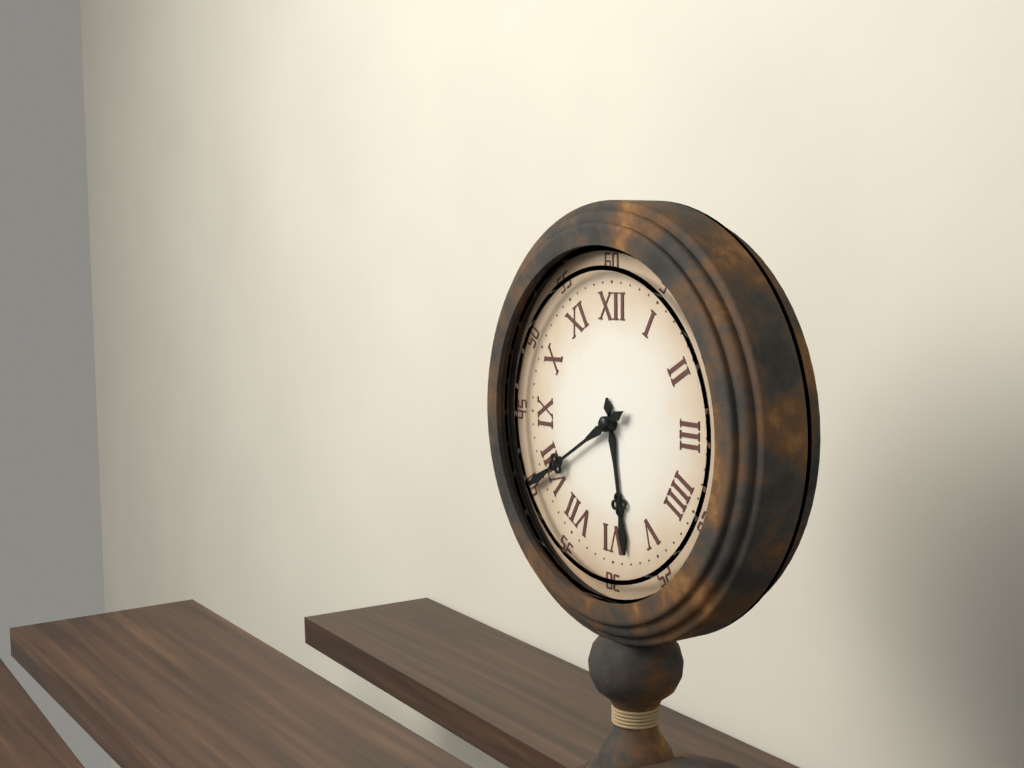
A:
5 h 40 min
